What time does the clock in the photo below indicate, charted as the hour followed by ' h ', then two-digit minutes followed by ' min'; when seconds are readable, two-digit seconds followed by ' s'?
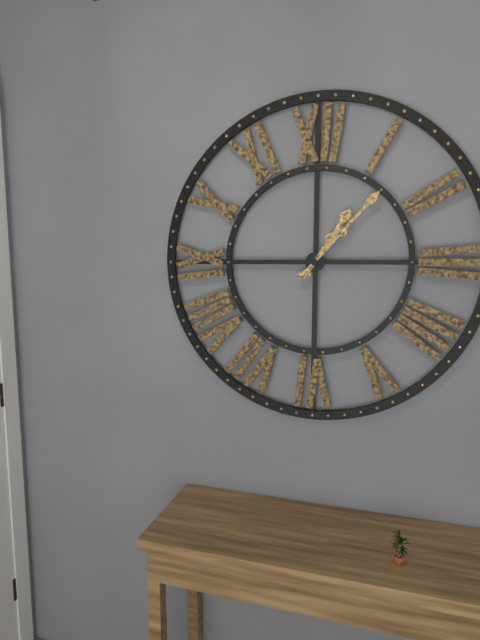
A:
1 h 07 min
